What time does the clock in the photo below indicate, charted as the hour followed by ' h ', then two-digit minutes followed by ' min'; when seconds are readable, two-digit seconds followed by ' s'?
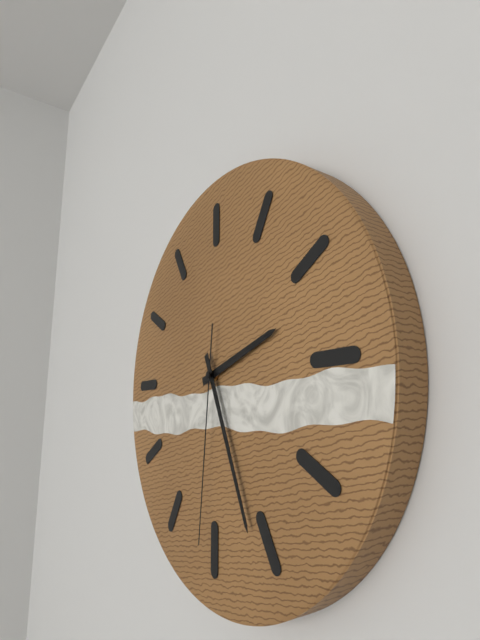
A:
2 h 26 min 31 s
